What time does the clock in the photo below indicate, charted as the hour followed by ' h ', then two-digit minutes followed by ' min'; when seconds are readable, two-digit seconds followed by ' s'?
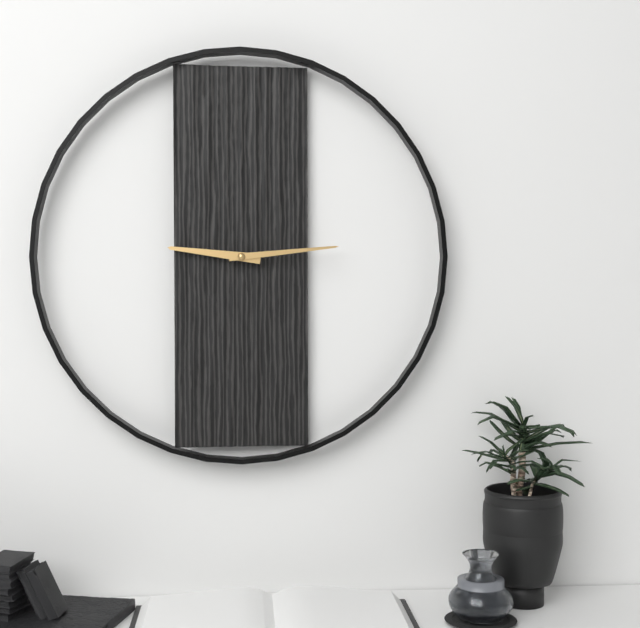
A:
9 h 14 min
